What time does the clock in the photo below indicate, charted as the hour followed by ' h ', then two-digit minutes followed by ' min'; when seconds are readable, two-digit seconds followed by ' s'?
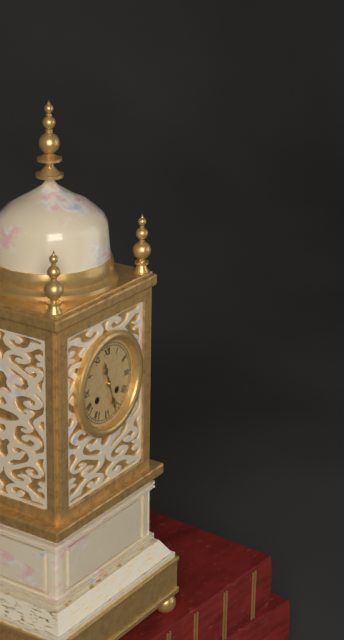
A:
11 h 27 min
